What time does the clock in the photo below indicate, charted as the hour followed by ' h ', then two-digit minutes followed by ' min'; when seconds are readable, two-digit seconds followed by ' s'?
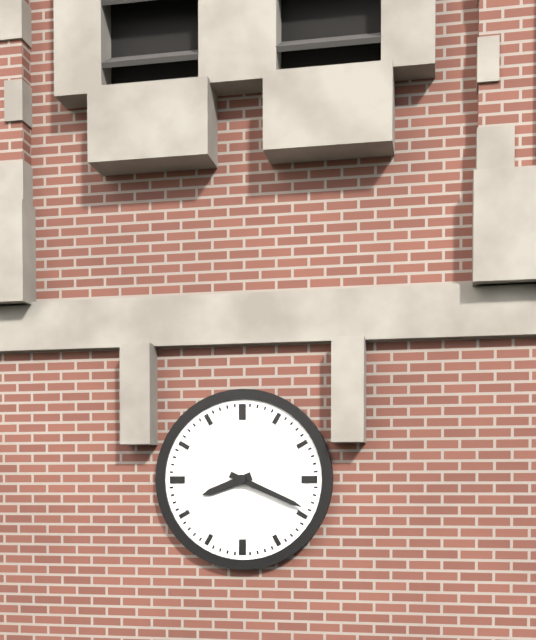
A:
8 h 19 min
